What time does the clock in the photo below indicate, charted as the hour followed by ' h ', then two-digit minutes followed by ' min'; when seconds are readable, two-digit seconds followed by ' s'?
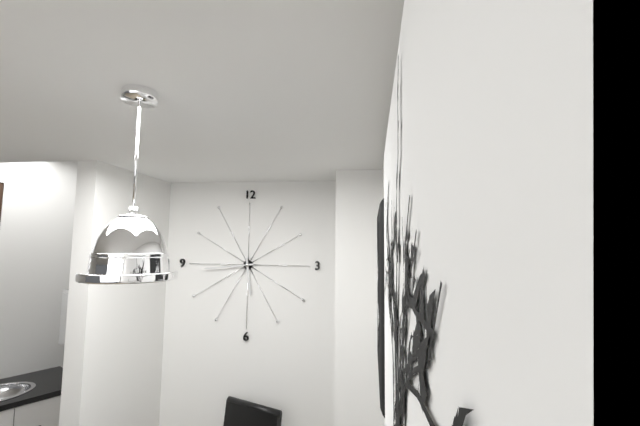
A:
5 h 44 min
